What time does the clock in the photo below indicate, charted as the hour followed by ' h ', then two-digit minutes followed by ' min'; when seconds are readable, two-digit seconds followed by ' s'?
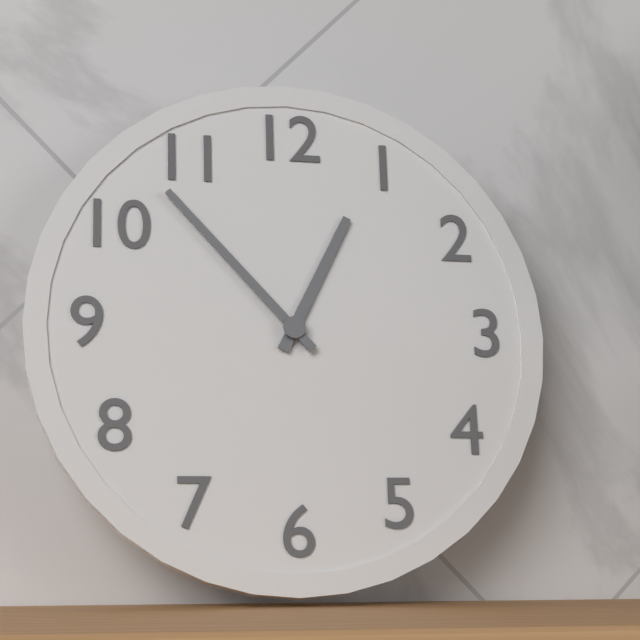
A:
12 h 53 min
